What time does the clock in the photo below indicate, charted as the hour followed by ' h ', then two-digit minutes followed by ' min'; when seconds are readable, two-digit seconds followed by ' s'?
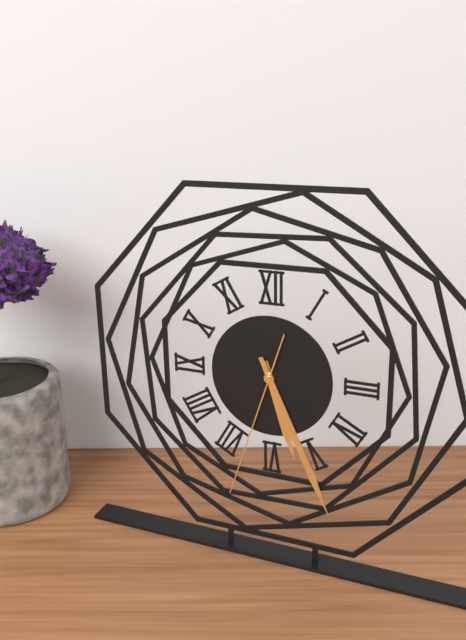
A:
5 h 26 min 33 s
